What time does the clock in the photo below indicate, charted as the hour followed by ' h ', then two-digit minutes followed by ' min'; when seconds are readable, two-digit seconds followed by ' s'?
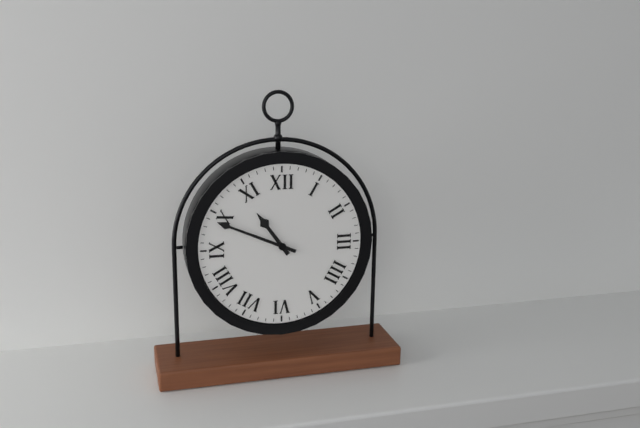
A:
10 h 49 min
